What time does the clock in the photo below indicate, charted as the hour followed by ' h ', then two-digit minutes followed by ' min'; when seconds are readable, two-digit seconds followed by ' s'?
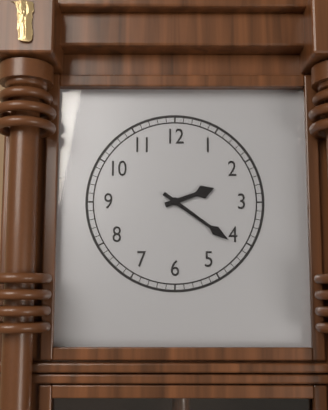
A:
2 h 21 min
